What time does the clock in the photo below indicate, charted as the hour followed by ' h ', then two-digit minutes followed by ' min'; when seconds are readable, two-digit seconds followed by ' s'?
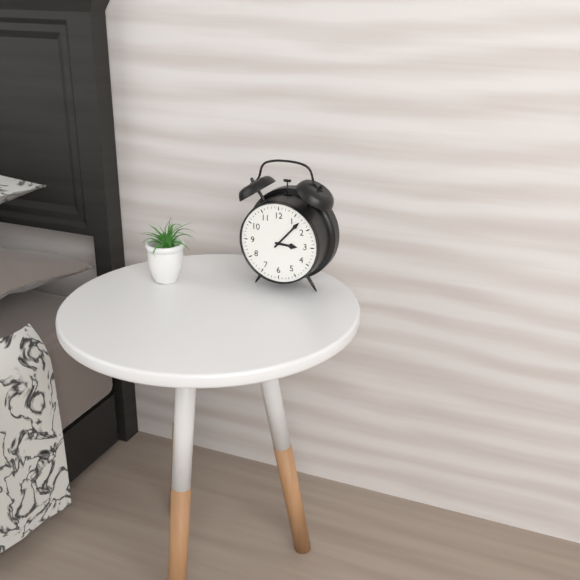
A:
3 h 07 min
